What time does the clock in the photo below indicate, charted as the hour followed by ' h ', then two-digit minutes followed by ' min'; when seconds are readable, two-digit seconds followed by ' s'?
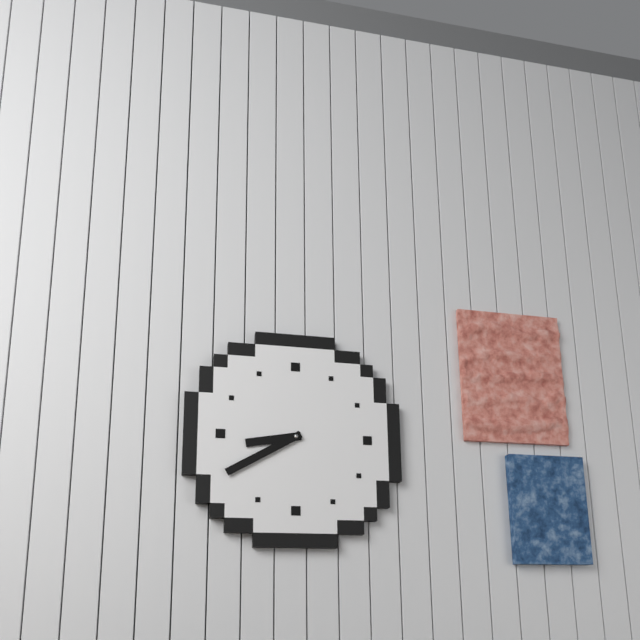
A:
8 h 40 min
